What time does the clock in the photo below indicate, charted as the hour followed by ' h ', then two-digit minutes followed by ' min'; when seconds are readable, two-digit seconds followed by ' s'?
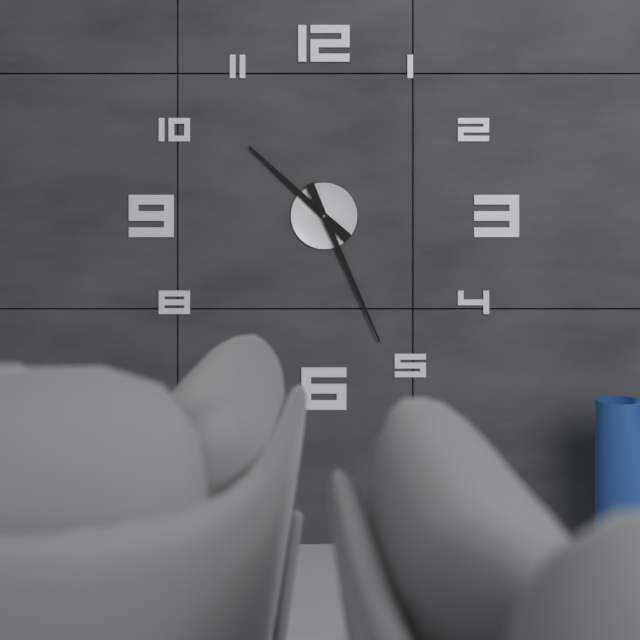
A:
10 h 26 min
